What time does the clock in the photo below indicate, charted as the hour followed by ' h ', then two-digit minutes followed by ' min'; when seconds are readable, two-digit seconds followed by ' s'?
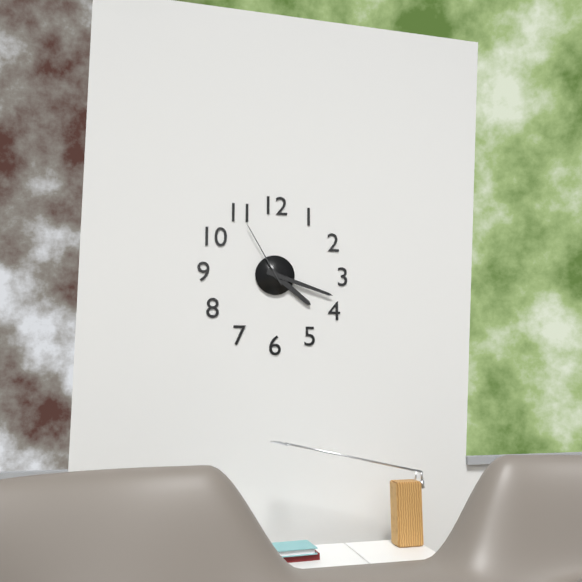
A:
4 h 18 min 55 s
